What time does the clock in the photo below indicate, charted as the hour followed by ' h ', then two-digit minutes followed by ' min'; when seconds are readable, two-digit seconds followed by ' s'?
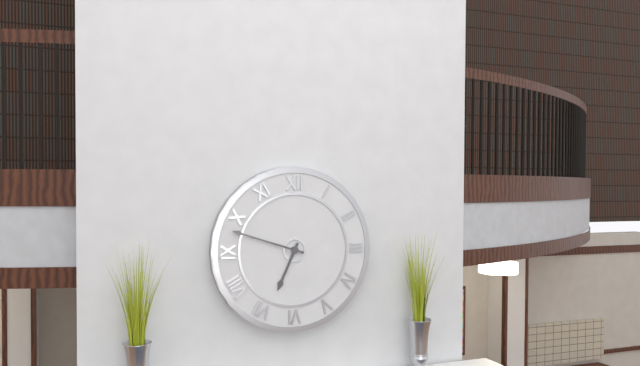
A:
6 h 48 min
